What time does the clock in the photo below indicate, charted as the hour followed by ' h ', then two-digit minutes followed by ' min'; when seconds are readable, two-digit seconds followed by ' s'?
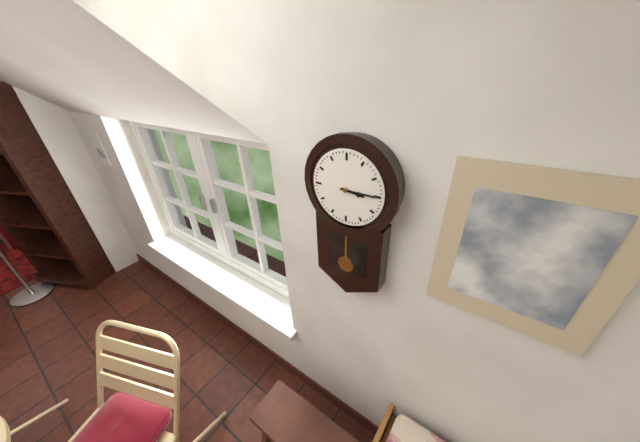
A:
3 h 15 min
